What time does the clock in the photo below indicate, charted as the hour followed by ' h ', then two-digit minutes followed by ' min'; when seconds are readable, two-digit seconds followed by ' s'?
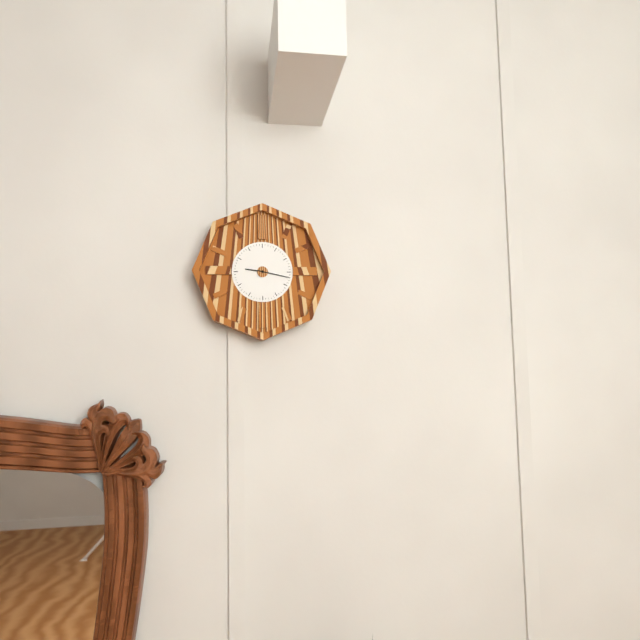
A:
9 h 17 min
